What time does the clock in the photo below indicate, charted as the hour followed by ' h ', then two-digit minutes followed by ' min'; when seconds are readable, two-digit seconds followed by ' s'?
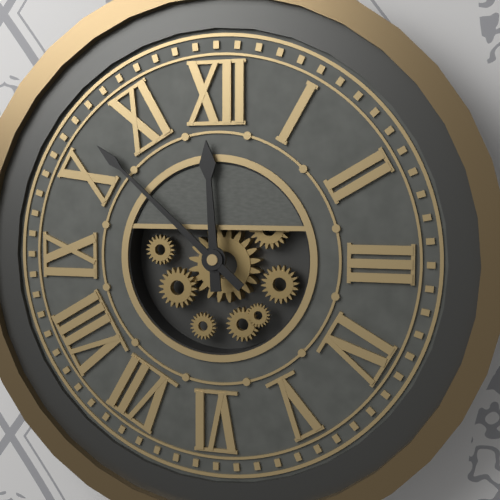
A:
11 h 52 min
